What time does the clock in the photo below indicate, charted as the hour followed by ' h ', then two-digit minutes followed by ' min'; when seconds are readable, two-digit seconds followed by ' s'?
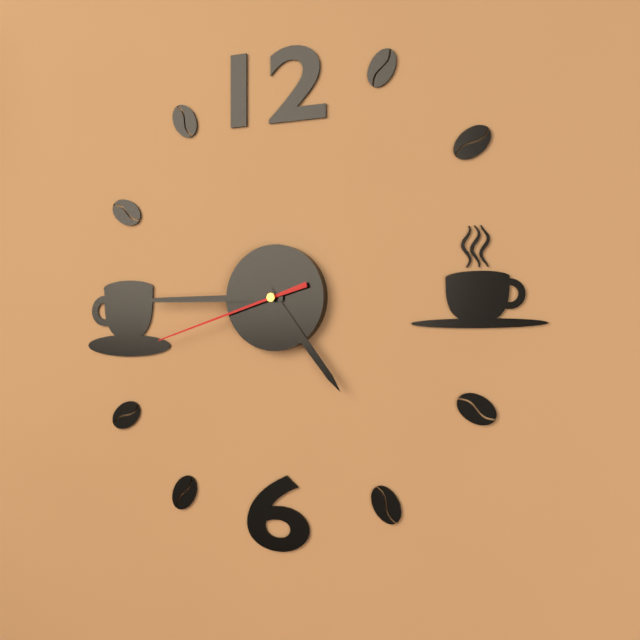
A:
4 h 45 min 42 s
